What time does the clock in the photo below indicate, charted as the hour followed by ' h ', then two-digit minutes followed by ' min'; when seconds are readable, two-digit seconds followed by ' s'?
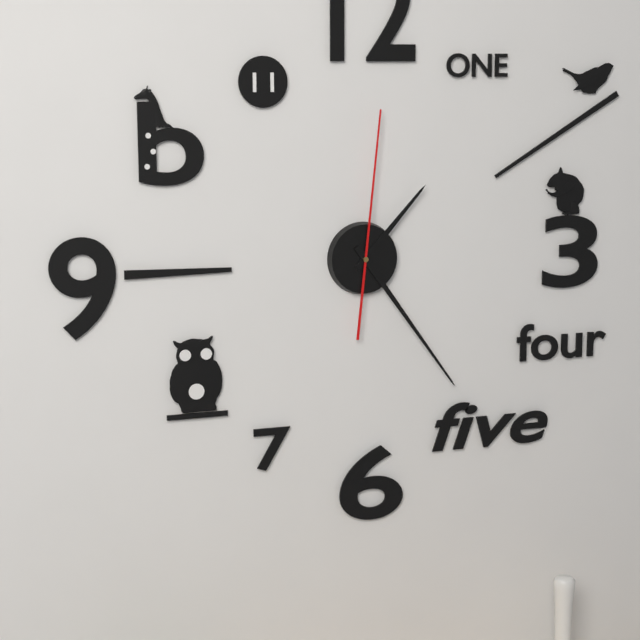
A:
1 h 24 min 01 s
